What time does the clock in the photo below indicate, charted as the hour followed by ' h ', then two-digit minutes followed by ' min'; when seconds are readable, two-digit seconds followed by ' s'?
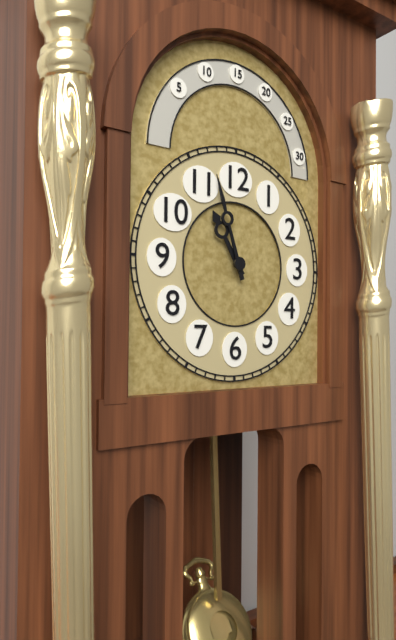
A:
10 h 57 min
